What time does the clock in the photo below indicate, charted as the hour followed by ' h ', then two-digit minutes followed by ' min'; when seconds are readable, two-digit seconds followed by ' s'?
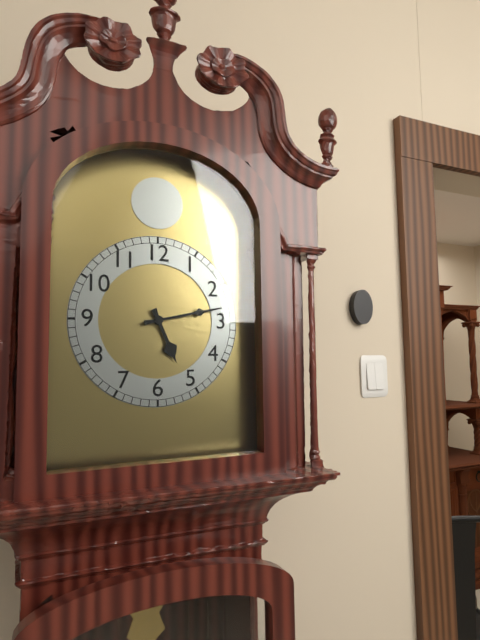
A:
5 h 13 min
